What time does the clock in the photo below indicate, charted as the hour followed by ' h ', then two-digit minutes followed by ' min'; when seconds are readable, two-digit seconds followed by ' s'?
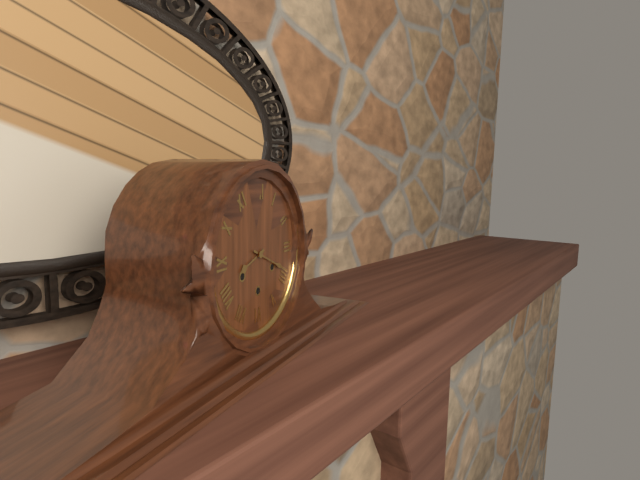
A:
8 h 19 min
